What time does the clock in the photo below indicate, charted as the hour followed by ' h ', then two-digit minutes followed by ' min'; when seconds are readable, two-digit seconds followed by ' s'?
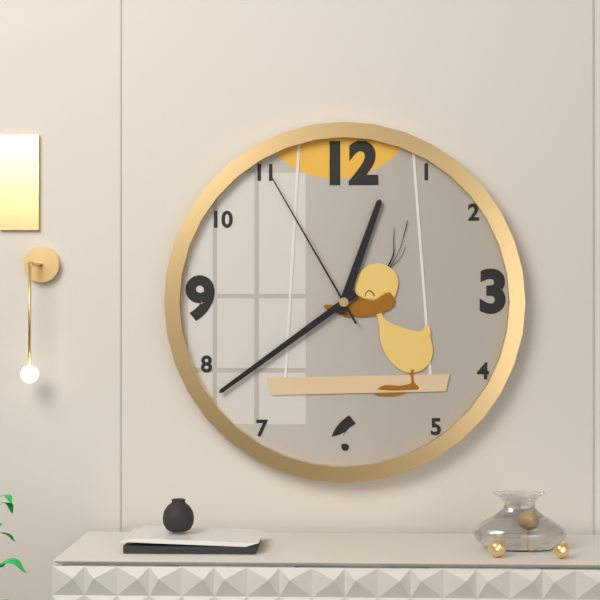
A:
12 h 39 min 55 s
